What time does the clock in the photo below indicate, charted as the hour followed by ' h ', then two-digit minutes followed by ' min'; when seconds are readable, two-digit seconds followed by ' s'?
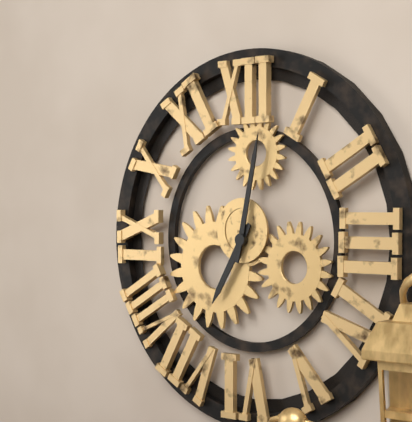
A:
7 h 02 min
